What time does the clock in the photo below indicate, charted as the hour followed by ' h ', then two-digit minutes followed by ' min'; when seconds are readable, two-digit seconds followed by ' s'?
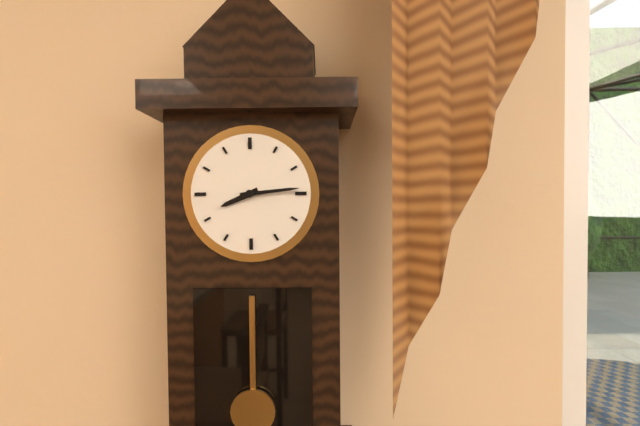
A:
8 h 14 min
